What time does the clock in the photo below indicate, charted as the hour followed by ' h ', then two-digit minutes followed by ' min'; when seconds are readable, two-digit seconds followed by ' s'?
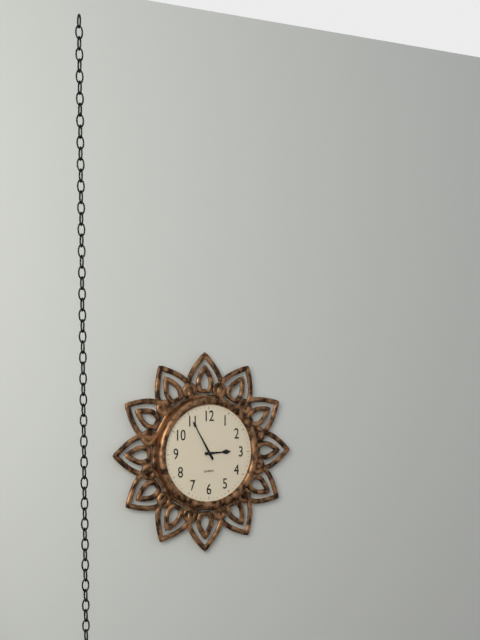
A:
2 h 55 min
